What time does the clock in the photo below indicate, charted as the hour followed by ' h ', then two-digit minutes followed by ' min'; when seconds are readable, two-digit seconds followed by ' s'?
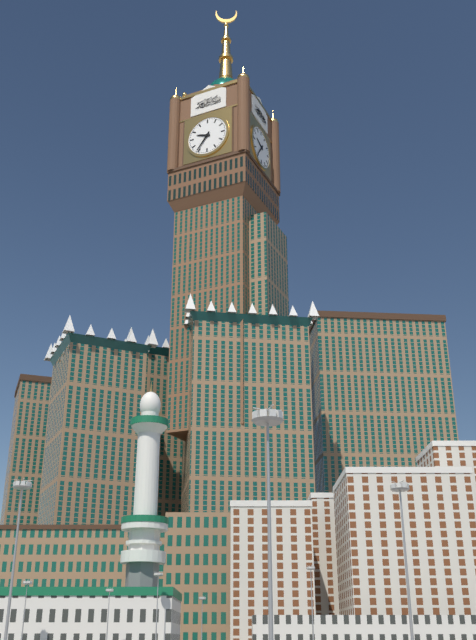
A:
9 h 36 min
